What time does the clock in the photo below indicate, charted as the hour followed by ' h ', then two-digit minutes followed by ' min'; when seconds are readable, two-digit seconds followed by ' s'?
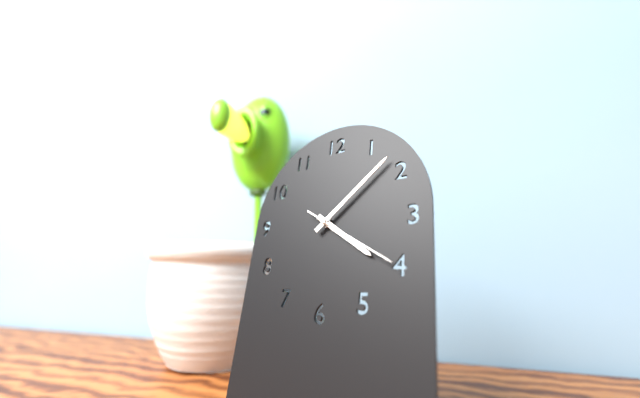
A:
4 h 08 min 20 s
